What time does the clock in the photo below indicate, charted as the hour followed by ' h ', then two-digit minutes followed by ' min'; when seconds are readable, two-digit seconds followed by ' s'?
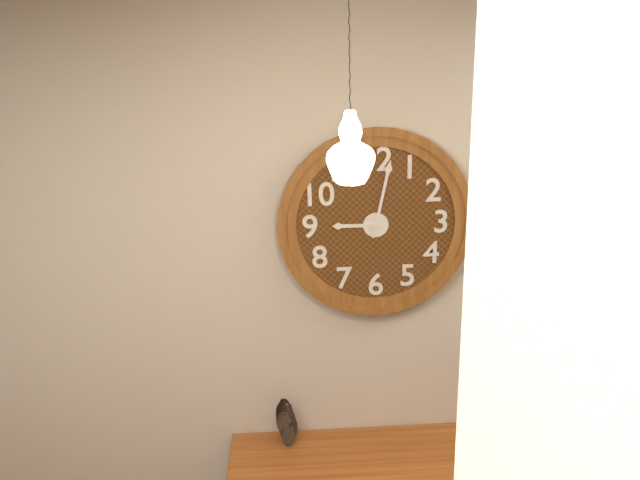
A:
9 h 02 min
